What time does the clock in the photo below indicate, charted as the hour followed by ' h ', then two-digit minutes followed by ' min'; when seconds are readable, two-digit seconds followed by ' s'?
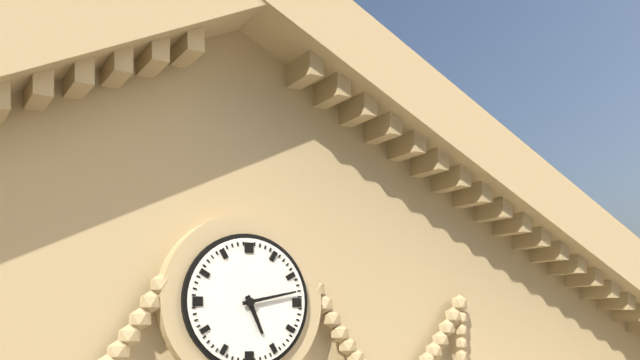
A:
5 h 13 min
